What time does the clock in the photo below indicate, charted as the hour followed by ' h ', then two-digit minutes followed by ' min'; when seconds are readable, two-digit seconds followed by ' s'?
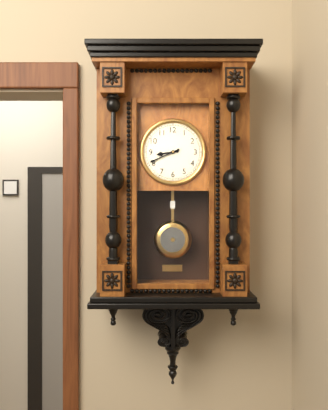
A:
8 h 41 min
